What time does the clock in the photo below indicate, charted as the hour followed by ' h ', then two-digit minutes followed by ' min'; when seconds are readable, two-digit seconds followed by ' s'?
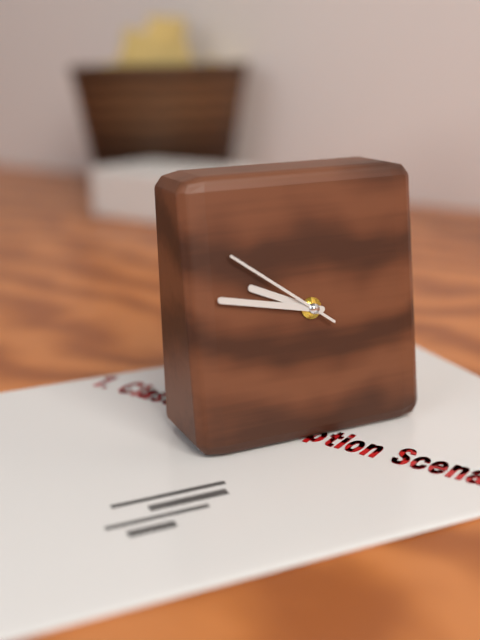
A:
9 h 47 min 51 s
